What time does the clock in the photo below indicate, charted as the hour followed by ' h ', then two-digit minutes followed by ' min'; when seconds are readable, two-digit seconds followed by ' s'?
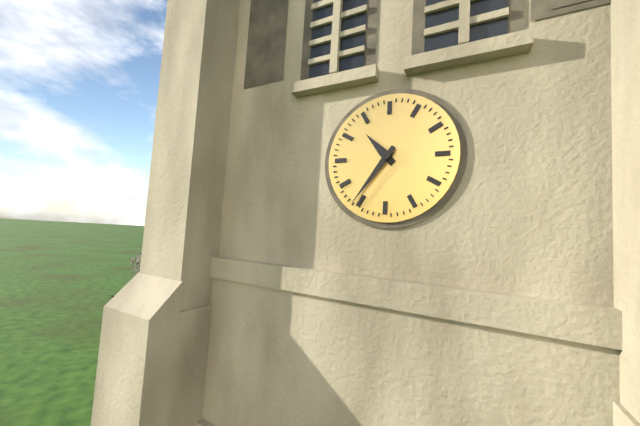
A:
10 h 36 min
